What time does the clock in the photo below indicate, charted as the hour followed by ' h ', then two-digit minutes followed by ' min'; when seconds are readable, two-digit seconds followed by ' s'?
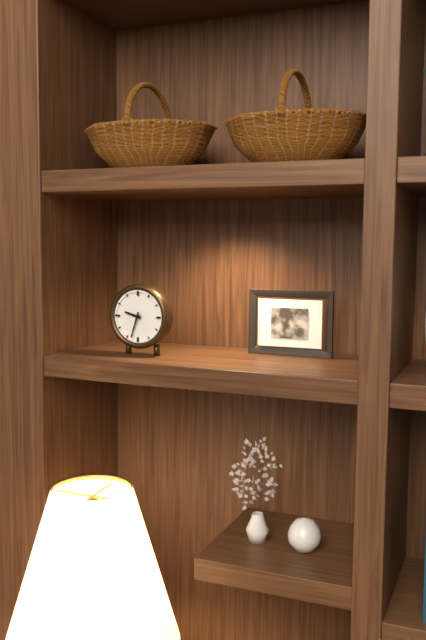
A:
9 h 33 min
